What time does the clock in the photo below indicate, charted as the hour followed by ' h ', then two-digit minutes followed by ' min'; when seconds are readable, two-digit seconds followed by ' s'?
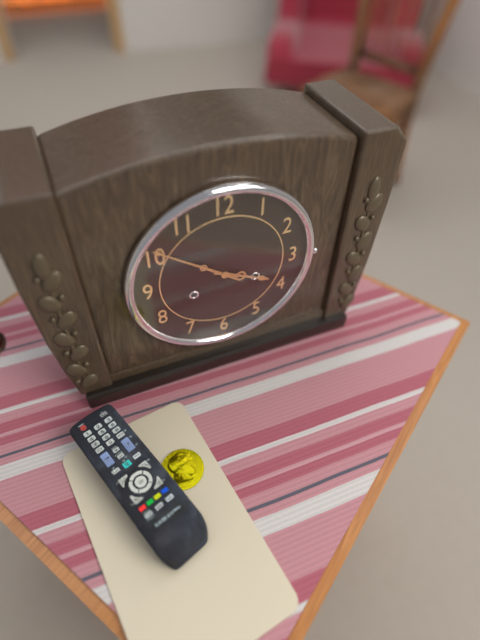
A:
3 h 51 min
